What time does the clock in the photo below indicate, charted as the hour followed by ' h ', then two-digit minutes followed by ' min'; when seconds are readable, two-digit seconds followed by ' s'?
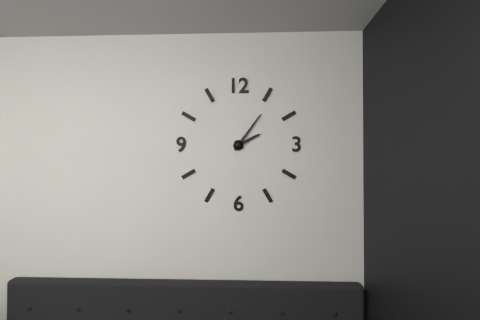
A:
2 h 06 min
